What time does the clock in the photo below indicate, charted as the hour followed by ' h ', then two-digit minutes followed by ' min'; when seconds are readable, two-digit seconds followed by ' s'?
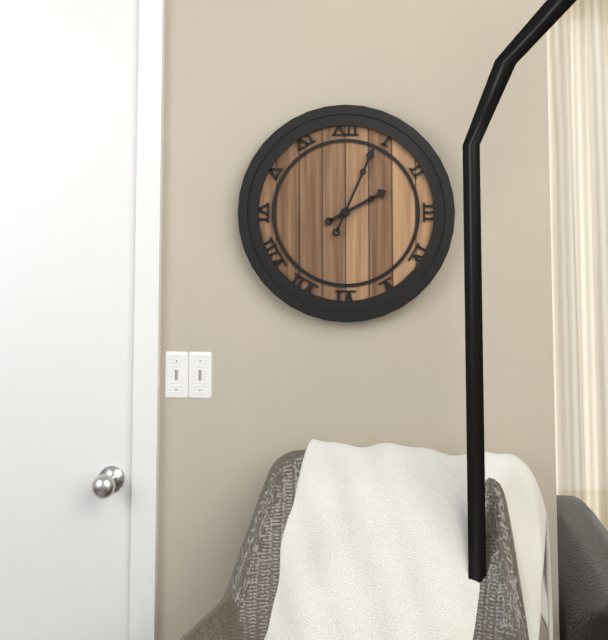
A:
2 h 04 min
